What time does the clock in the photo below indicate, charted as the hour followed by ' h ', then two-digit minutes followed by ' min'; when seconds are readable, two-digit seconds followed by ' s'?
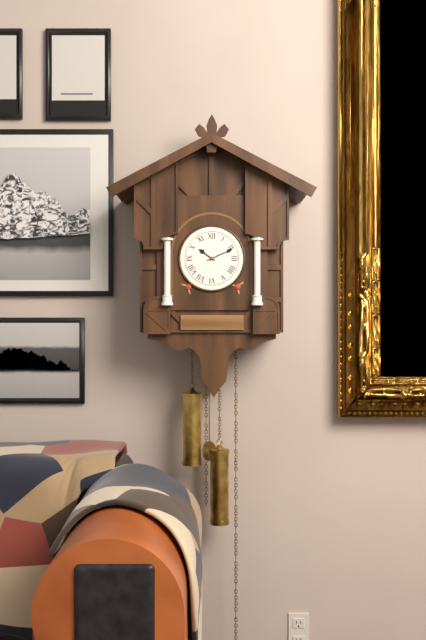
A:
10 h 11 min
